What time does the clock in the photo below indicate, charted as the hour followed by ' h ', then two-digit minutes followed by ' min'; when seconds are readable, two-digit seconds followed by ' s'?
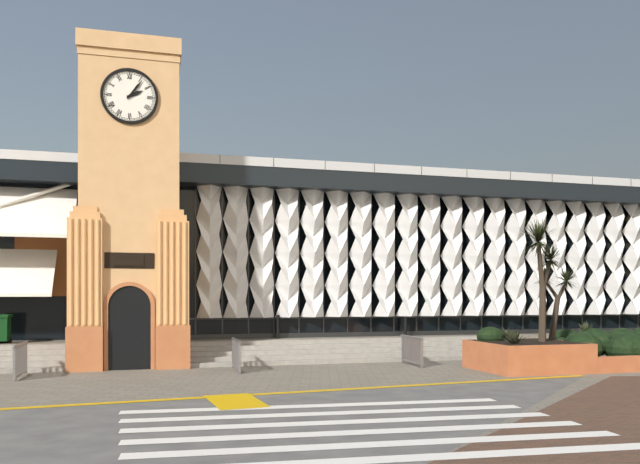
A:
2 h 06 min
